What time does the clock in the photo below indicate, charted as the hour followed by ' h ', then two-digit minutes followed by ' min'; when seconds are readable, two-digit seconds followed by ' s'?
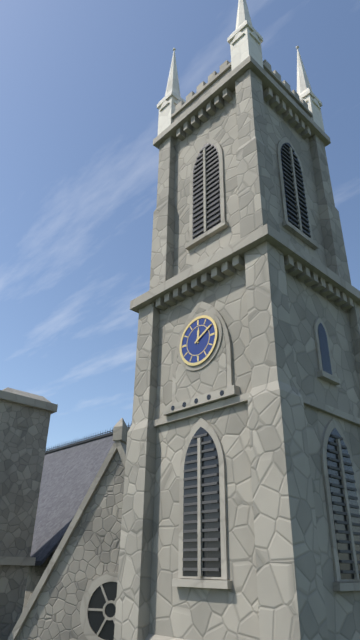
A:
12 h 10 min
